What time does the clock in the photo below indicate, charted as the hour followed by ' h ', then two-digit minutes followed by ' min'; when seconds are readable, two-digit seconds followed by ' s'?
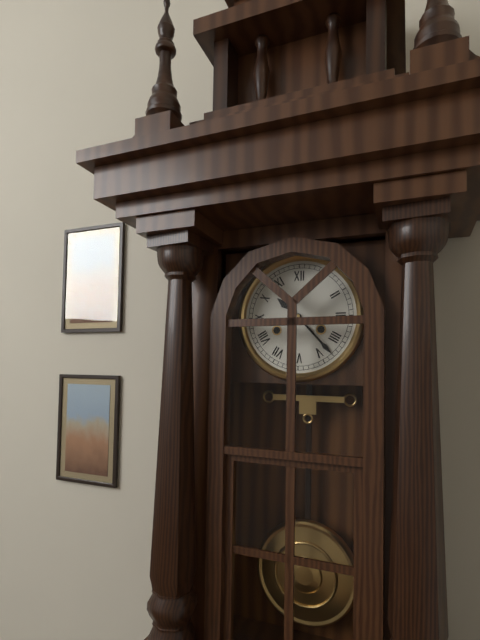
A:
10 h 23 min
